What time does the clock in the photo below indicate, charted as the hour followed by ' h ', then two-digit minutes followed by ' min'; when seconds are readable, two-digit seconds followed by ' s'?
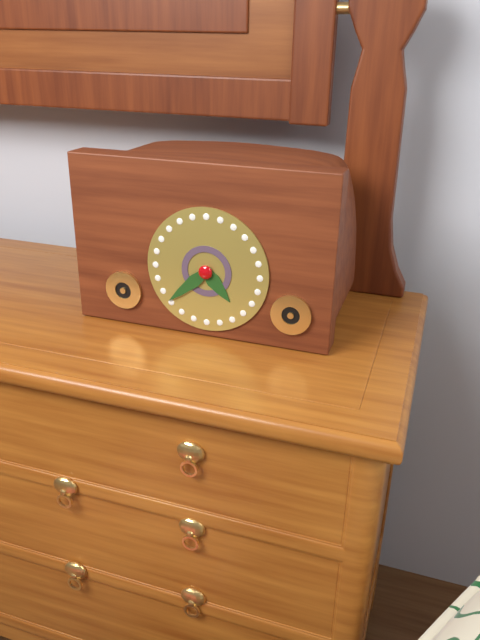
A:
4 h 38 min
